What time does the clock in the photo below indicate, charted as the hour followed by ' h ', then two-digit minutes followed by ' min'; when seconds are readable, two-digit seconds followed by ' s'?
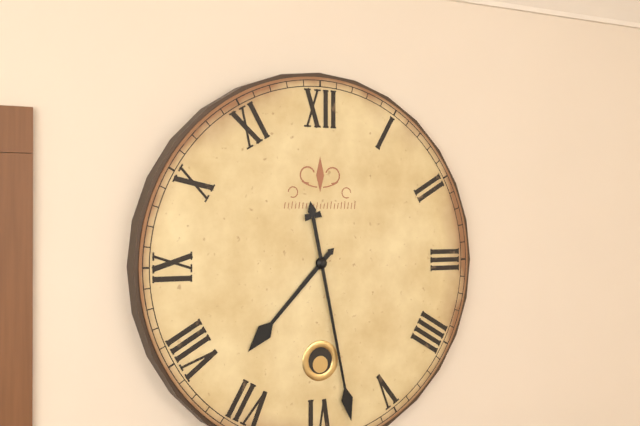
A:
7 h 28 min
